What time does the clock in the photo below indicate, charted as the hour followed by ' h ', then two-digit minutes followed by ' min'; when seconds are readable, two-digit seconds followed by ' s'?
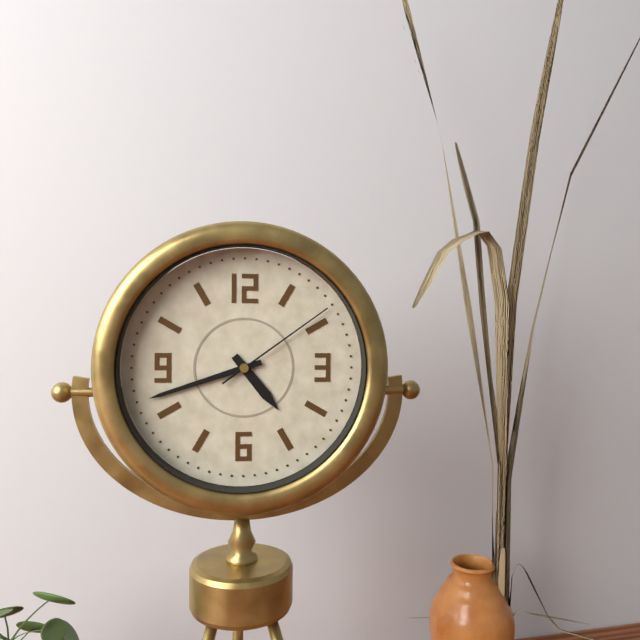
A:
4 h 42 min 09 s
